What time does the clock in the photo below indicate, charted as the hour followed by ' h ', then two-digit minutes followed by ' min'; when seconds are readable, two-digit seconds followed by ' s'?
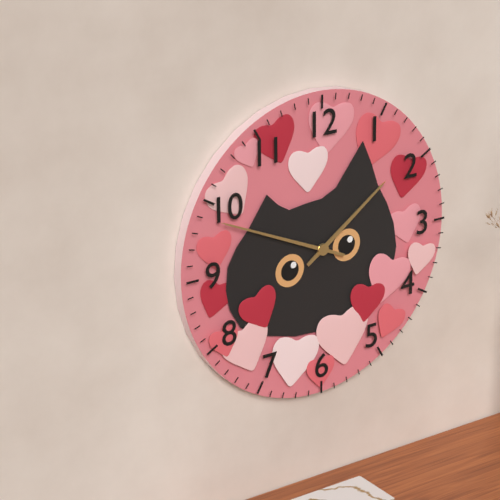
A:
1 h 49 min
